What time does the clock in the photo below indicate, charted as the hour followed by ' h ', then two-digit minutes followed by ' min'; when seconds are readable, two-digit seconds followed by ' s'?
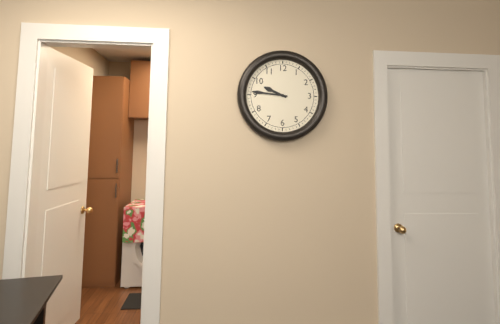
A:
9 h 46 min
